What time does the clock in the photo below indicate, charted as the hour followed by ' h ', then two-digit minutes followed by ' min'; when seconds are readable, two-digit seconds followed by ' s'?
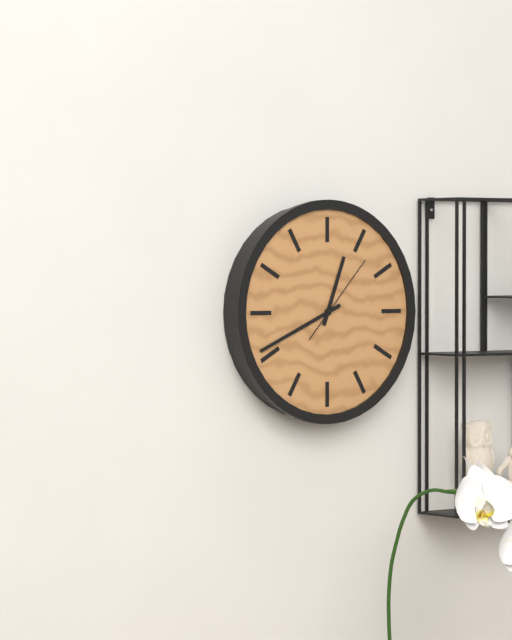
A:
12 h 41 min 07 s
